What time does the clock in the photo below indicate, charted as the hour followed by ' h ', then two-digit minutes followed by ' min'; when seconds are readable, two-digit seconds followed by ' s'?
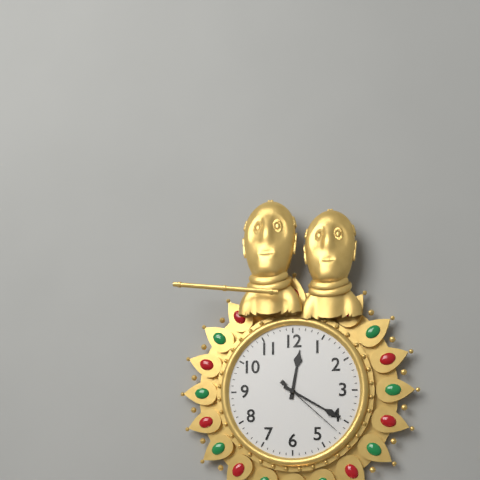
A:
12 h 20 min 22 s
